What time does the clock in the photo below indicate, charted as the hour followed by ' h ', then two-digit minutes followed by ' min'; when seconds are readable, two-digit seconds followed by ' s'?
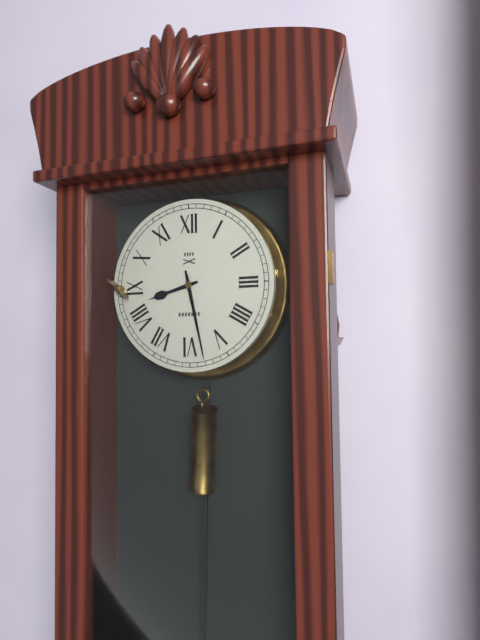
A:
8 h 28 min
